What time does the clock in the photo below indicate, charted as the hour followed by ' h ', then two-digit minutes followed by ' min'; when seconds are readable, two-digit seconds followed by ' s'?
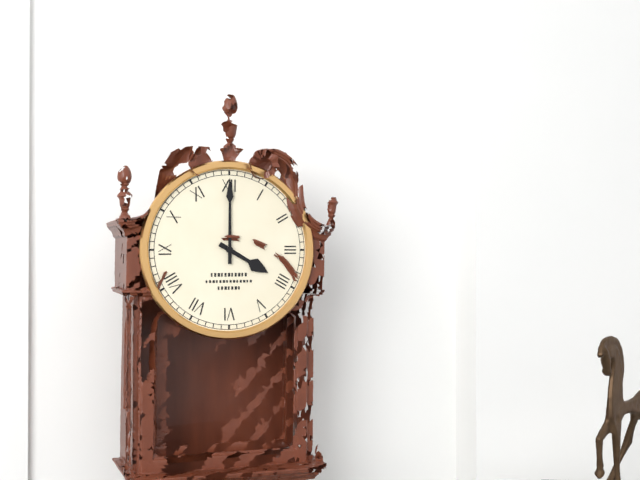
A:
4 h 00 min
